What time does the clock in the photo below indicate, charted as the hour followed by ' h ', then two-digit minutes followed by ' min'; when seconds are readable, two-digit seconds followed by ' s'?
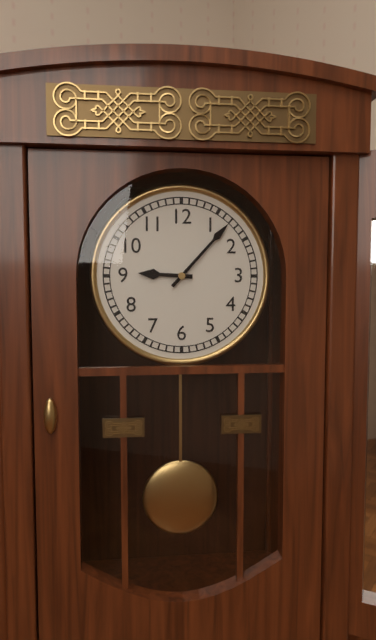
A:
9 h 07 min
